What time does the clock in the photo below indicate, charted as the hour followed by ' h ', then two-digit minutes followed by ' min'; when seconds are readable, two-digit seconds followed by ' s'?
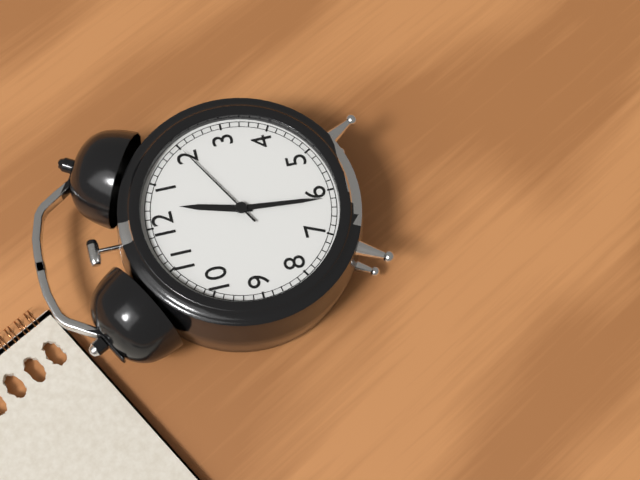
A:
12 h 31 min 10 s
